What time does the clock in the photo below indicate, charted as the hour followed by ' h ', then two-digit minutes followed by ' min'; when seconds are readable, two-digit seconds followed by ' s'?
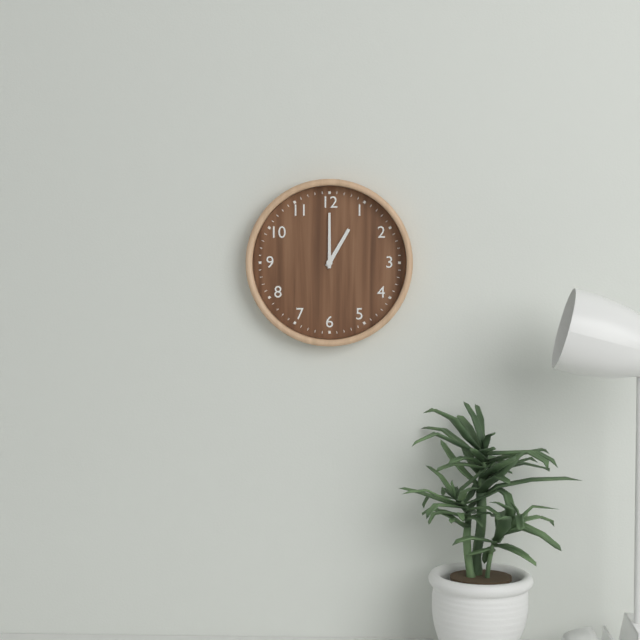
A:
1 h 00 min
